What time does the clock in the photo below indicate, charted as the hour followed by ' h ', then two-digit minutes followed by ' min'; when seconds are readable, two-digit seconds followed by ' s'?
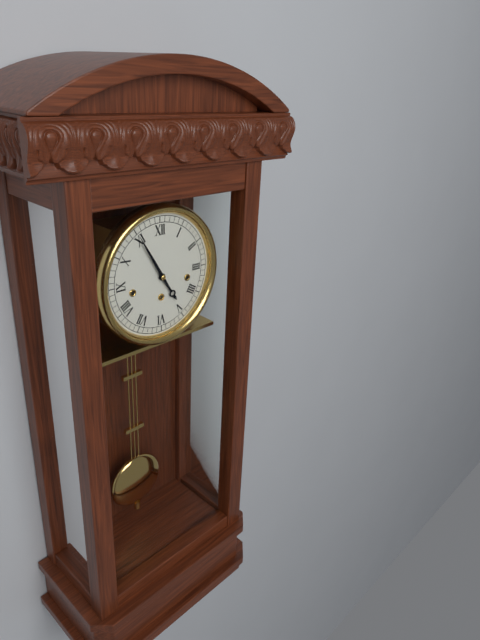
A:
4 h 55 min
